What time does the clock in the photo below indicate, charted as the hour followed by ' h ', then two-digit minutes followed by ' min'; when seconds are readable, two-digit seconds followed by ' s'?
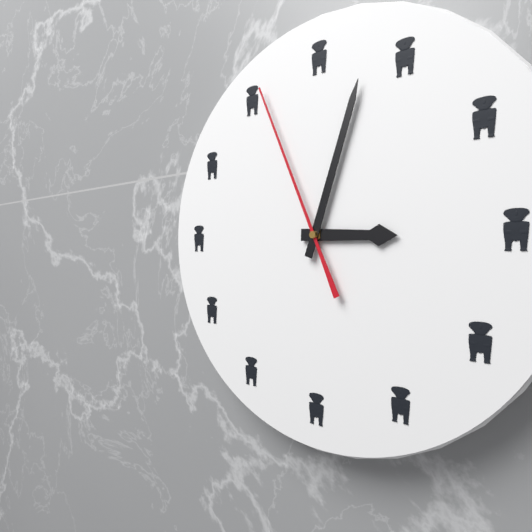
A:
3 h 03 min 56 s
